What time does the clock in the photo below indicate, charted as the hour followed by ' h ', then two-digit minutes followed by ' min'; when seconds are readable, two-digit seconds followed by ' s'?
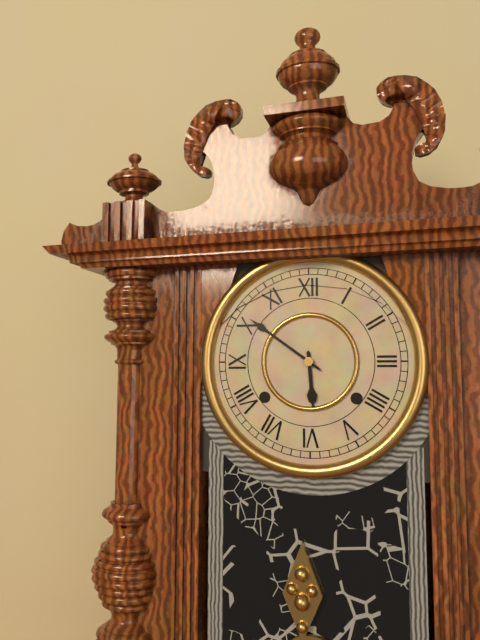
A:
5 h 51 min
